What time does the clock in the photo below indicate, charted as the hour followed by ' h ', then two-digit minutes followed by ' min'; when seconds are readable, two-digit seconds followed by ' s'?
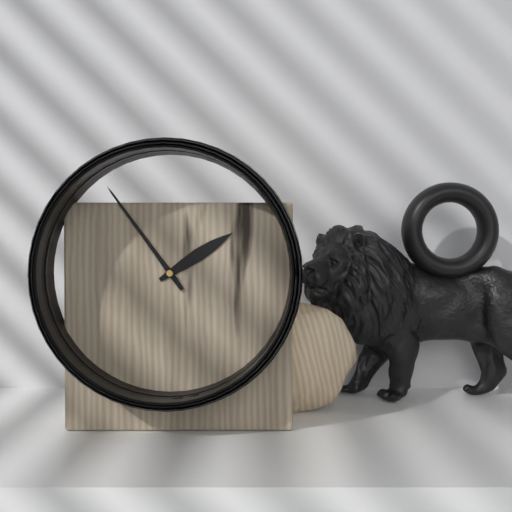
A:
1 h 54 min
